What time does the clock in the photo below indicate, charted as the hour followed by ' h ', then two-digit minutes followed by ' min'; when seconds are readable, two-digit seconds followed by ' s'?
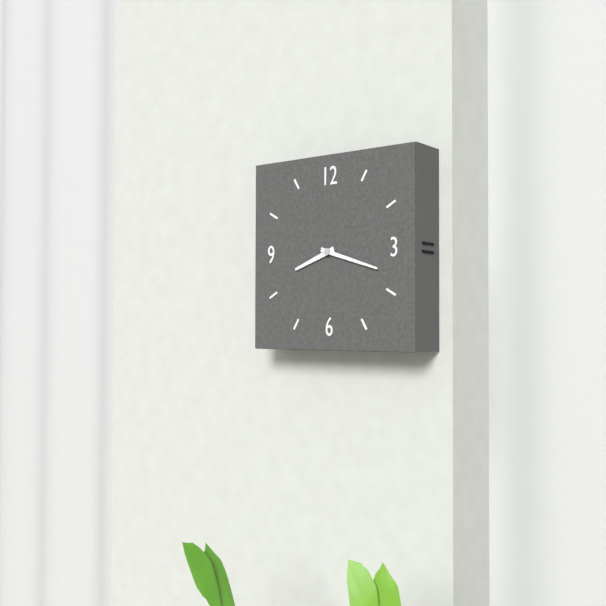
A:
8 h 18 min
